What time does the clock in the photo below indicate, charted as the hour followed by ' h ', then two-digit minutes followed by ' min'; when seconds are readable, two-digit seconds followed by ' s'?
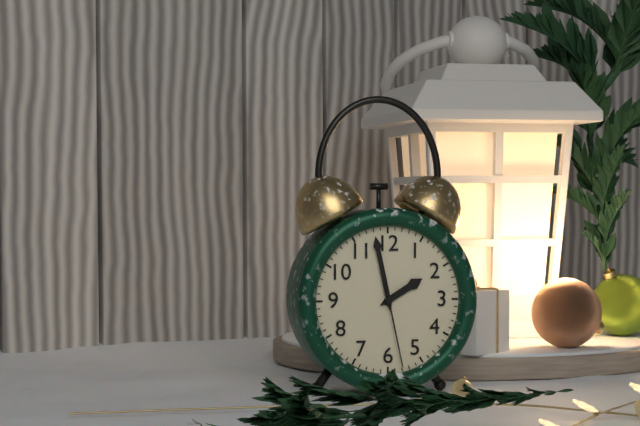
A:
1 h 58 min 28 s
